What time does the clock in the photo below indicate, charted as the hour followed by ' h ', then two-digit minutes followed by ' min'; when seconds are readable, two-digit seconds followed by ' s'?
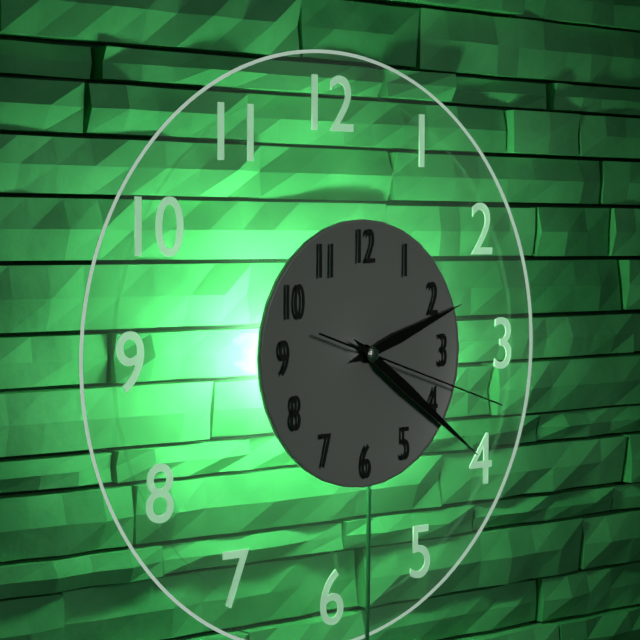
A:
2 h 21 min 18 s
